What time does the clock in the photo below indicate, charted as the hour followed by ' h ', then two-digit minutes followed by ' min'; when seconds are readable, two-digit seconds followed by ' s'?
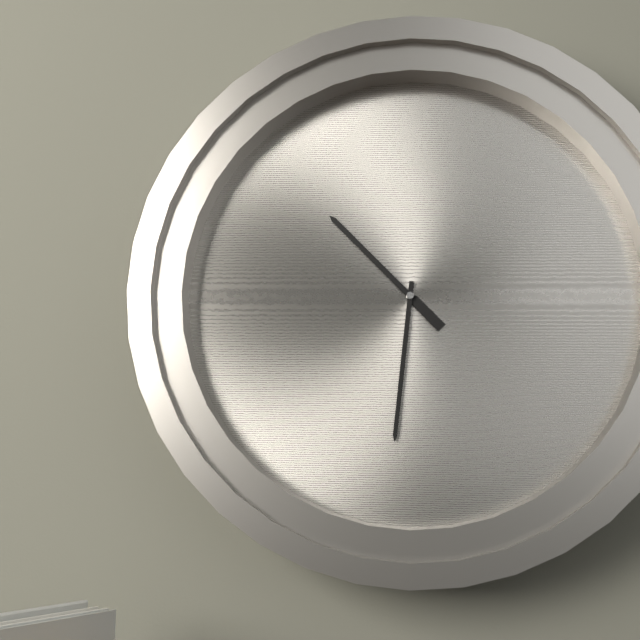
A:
10 h 31 min
